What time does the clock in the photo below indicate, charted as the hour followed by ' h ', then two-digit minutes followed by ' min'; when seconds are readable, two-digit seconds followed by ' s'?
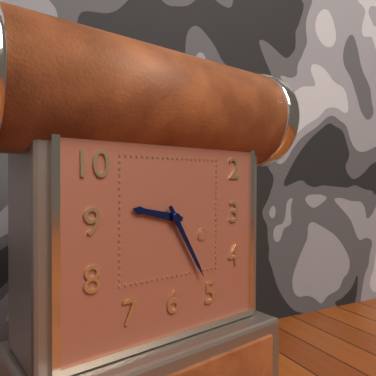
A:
9 h 25 min
